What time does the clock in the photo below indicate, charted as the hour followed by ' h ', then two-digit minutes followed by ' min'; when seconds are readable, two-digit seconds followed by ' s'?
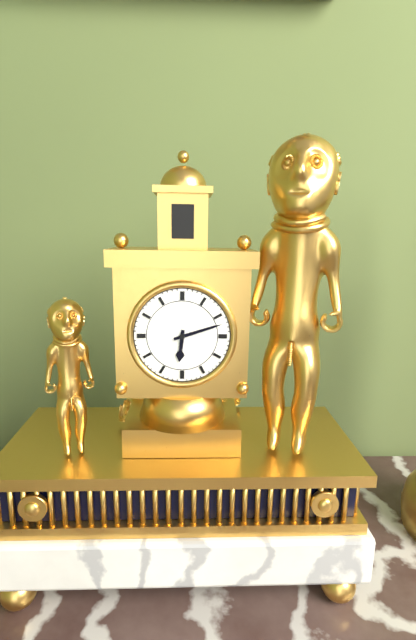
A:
6 h 12 min
